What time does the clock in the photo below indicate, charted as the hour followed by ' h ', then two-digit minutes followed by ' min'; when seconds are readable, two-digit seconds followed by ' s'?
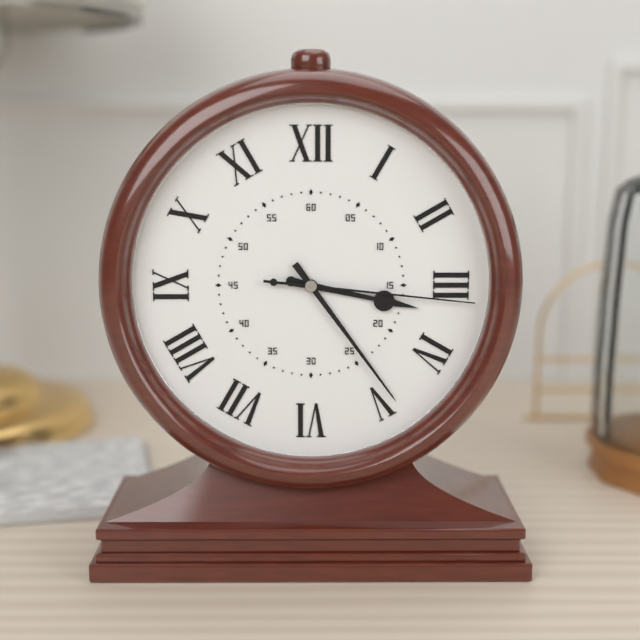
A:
3 h 24 min 16 s
